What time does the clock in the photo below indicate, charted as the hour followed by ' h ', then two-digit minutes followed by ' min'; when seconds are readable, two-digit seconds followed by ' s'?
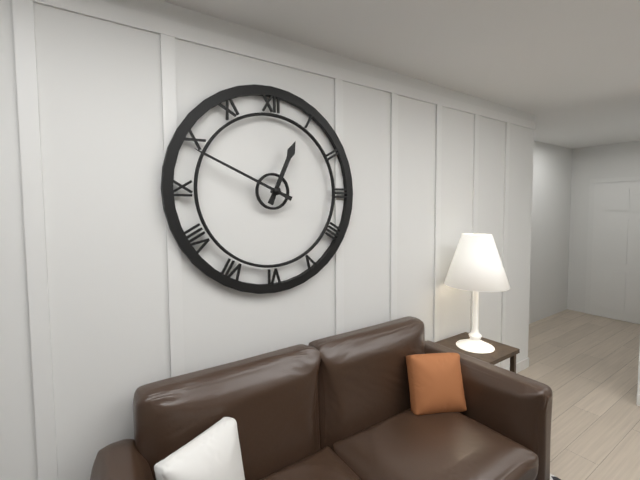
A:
12 h 49 min
